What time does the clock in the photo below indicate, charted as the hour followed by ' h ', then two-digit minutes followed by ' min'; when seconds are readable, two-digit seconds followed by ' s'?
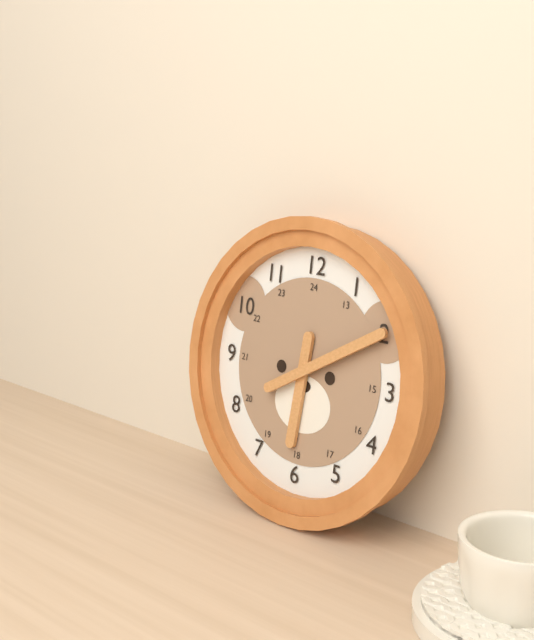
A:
6 h 10 min
